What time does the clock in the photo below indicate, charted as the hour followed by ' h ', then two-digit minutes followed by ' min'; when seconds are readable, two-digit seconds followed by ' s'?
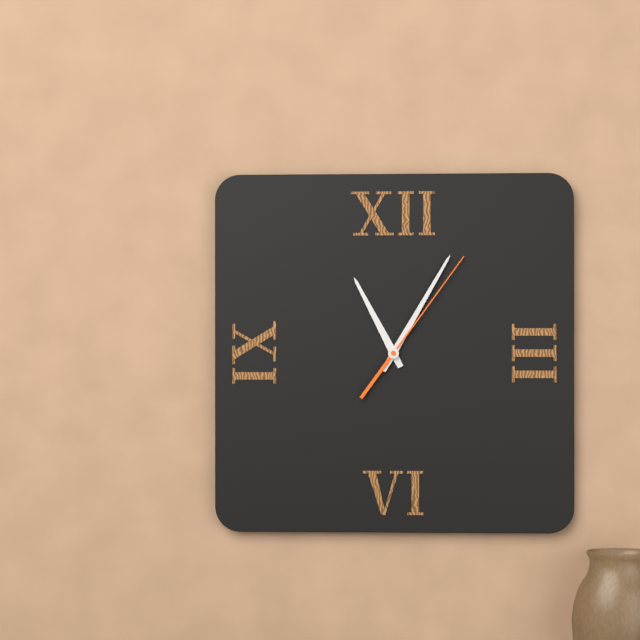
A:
11 h 05 min 06 s
